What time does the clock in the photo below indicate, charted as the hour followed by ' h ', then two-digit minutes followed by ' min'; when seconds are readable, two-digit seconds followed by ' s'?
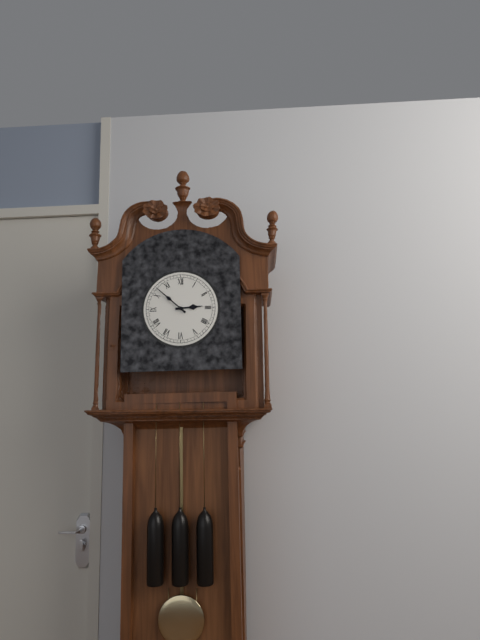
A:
2 h 52 min
